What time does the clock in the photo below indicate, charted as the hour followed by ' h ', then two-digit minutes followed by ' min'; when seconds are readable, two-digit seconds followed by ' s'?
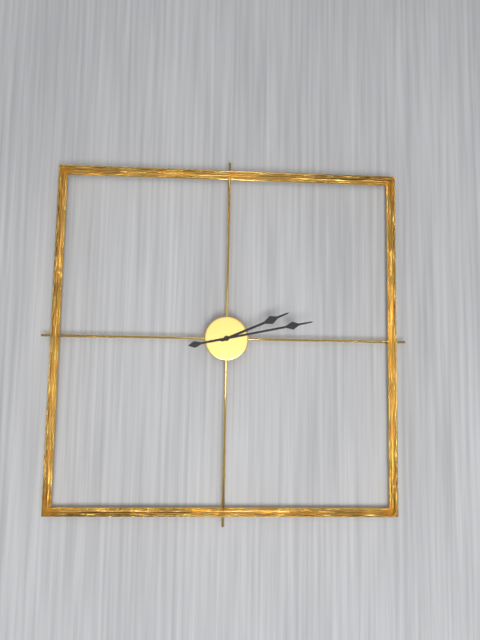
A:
2 h 13 min
